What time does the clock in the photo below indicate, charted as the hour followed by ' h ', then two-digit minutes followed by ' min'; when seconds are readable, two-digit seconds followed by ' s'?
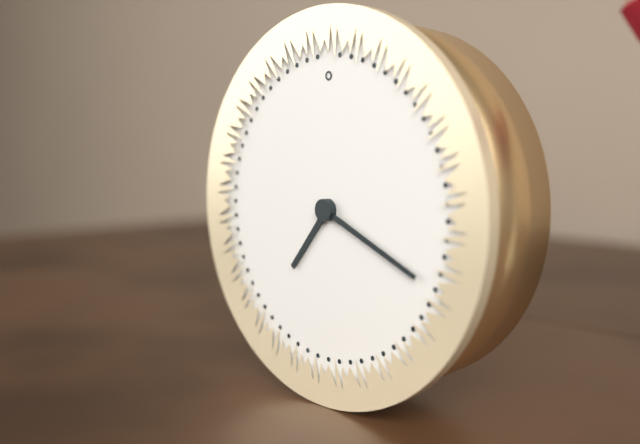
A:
7 h 19 min
